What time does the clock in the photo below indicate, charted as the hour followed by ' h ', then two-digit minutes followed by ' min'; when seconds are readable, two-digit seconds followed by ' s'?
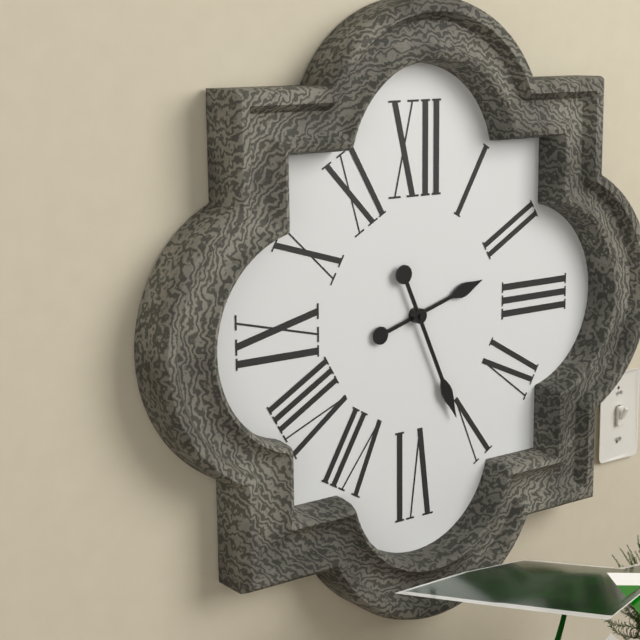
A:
2 h 26 min
